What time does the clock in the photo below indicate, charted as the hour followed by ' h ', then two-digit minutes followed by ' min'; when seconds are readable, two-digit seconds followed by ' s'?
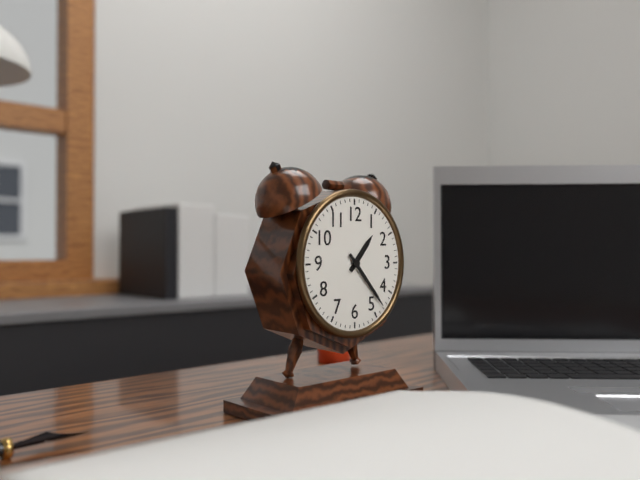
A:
1 h 23 min
